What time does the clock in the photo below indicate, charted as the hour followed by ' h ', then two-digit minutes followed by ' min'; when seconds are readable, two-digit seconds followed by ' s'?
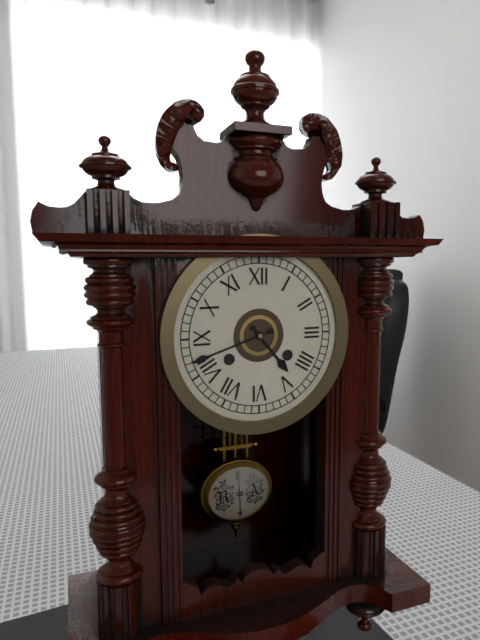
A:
4 h 42 min
